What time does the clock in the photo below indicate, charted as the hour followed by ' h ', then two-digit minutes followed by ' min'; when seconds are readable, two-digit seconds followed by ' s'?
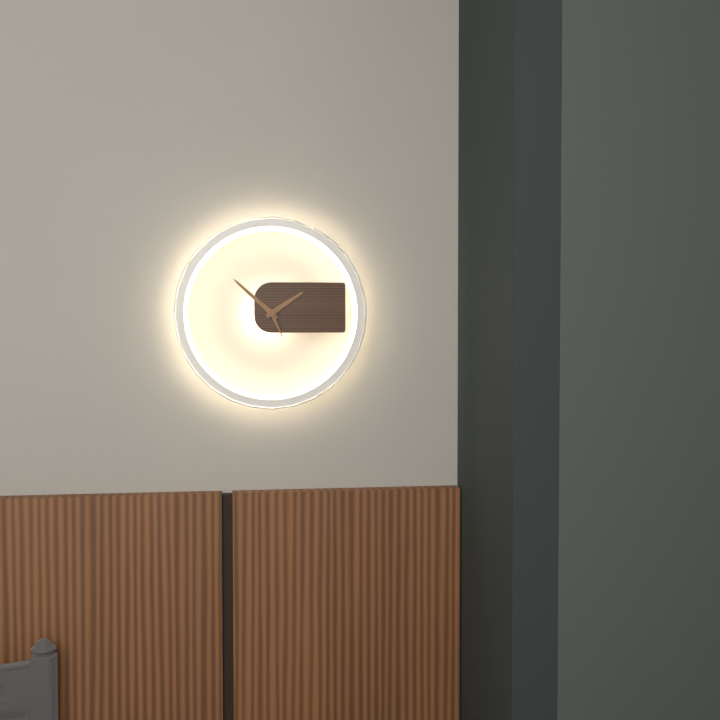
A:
1 h 52 min
